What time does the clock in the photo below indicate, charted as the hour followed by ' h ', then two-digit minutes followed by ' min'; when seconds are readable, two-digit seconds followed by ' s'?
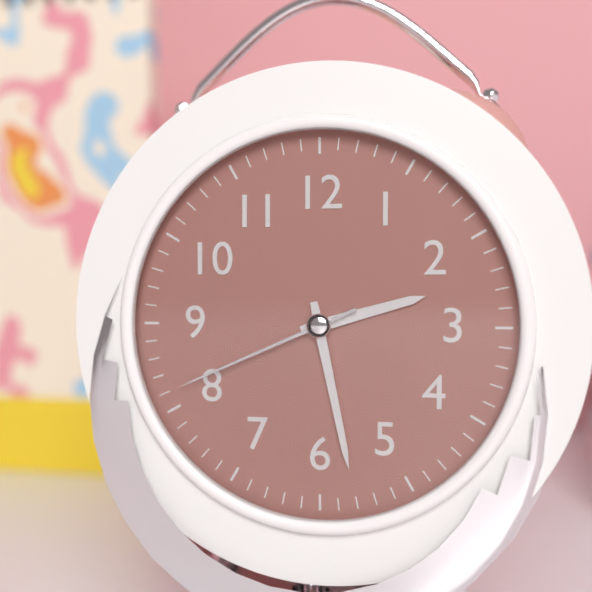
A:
2 h 28 min 41 s
